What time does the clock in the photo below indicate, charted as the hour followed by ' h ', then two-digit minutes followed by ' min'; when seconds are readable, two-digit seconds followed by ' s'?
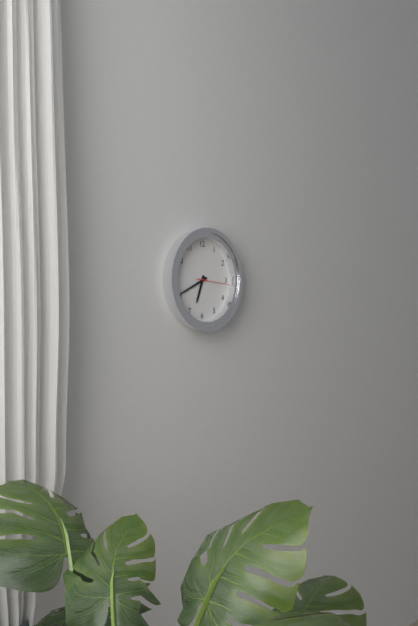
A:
6 h 41 min
